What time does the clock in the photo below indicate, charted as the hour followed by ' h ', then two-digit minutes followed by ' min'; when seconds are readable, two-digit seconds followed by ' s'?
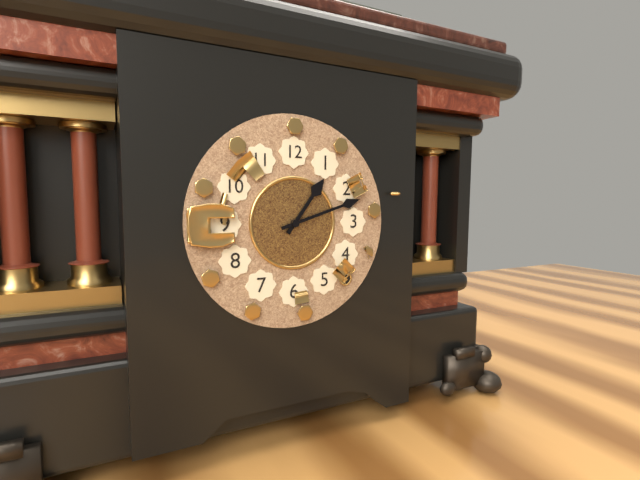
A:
1 h 12 min
